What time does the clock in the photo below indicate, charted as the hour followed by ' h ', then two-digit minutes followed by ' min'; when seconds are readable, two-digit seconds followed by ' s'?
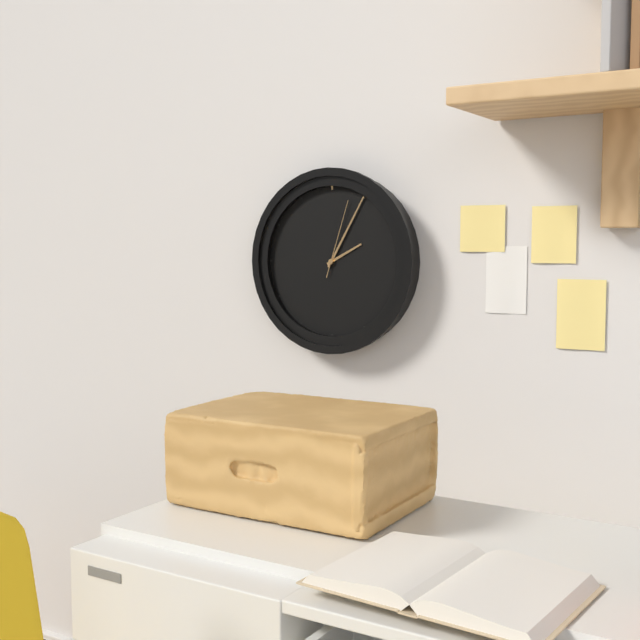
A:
2 h 05 min 03 s
